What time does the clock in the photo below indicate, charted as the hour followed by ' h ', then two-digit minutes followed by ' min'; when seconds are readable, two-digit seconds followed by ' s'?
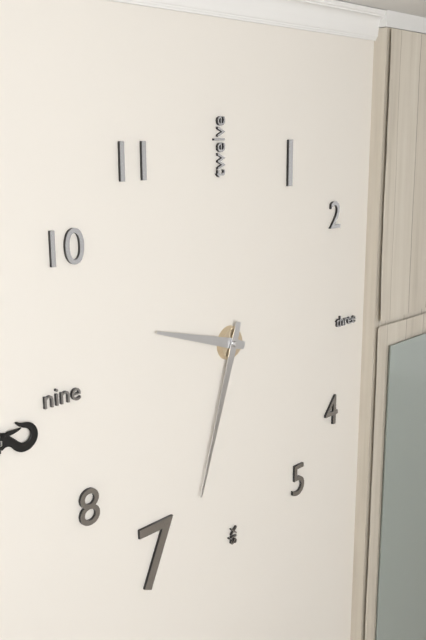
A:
9 h 33 min
